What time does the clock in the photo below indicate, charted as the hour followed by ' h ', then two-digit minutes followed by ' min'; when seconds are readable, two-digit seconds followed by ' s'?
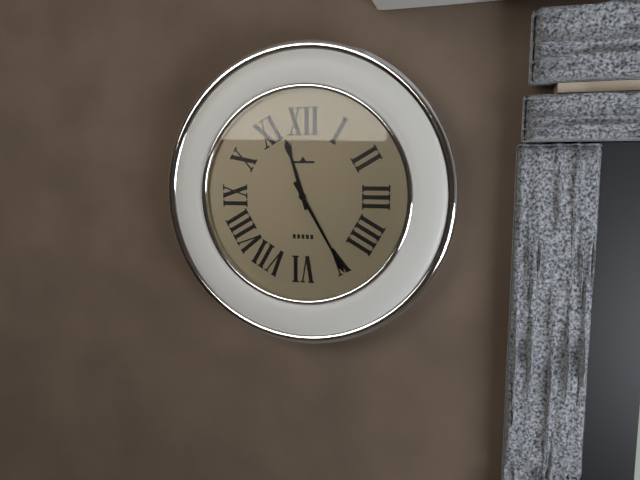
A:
11 h 25 min
